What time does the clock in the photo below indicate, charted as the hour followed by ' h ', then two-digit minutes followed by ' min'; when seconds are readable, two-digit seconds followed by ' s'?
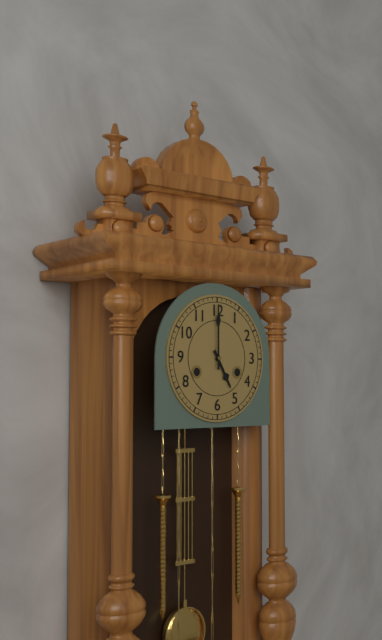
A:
5 h 00 min
